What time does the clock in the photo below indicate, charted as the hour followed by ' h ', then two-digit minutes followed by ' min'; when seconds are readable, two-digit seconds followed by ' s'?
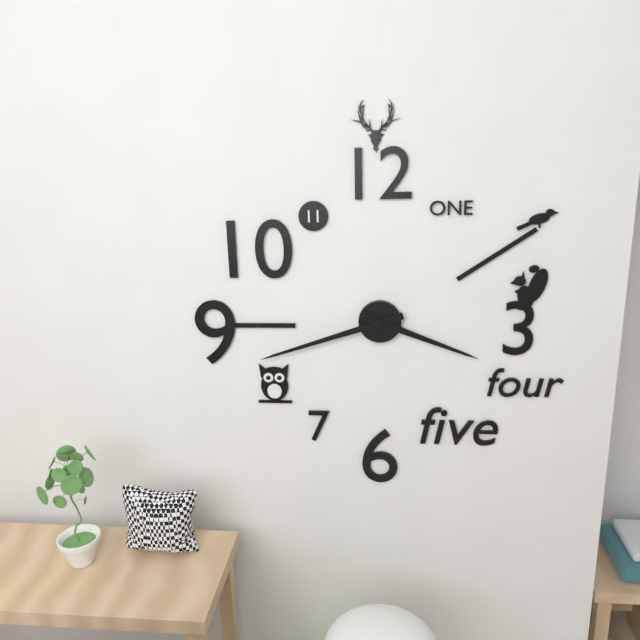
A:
3 h 42 min
